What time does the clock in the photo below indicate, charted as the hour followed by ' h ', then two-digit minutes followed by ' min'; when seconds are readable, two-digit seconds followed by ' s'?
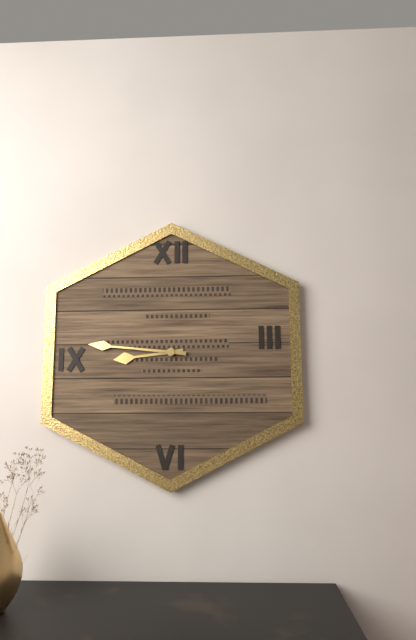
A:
8 h 46 min
